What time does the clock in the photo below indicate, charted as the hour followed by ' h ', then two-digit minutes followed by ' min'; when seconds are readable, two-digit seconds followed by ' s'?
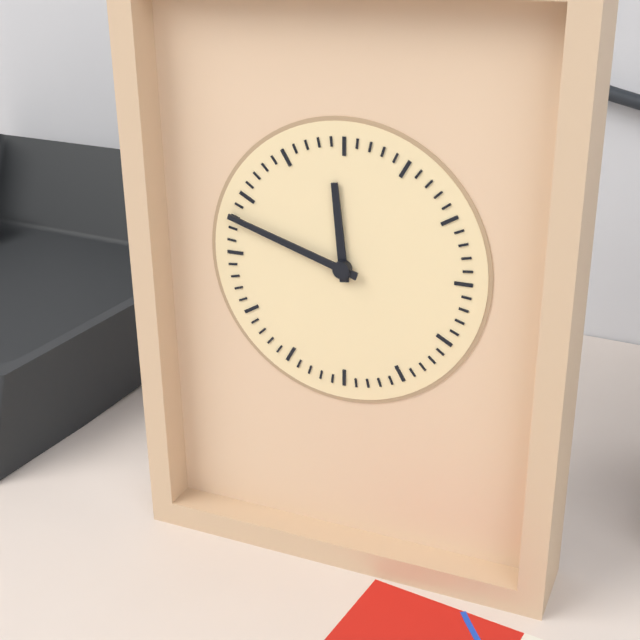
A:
11 h 48 min
